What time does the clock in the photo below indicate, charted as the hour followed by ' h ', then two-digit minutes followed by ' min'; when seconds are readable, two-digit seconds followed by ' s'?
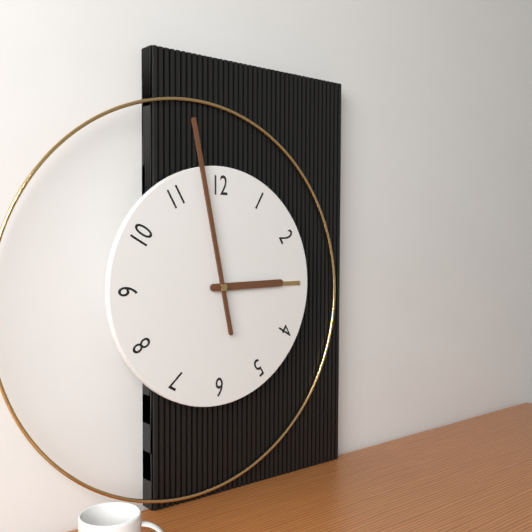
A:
2 h 58 min
